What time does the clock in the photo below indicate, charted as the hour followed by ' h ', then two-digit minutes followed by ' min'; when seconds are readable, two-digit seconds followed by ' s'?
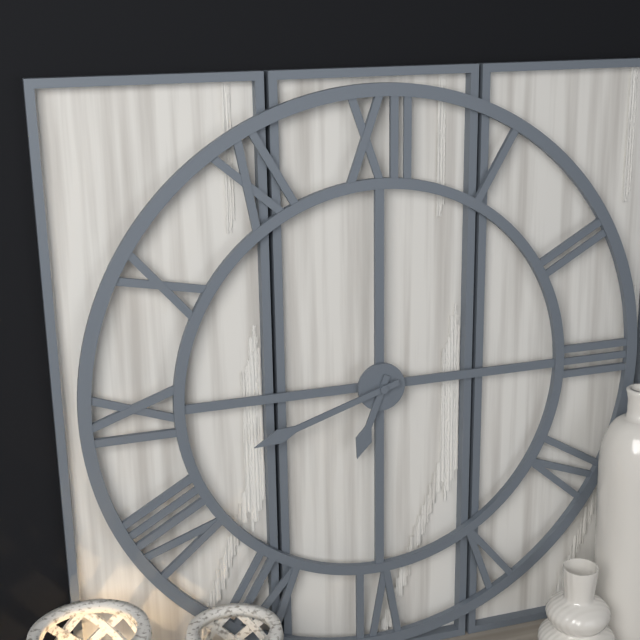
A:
6 h 42 min
